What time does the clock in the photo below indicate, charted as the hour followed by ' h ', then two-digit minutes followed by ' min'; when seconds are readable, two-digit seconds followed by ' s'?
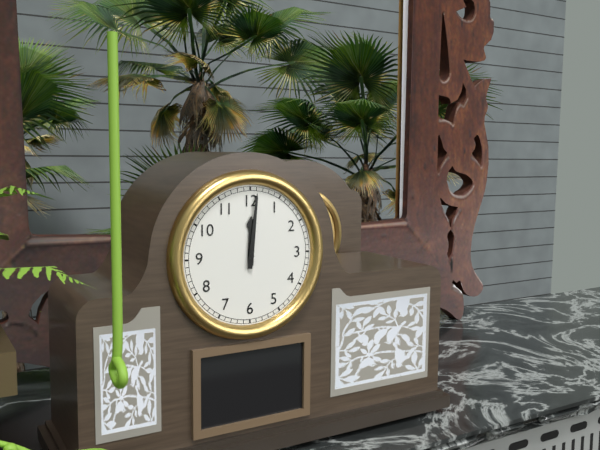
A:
12 h 01 min
